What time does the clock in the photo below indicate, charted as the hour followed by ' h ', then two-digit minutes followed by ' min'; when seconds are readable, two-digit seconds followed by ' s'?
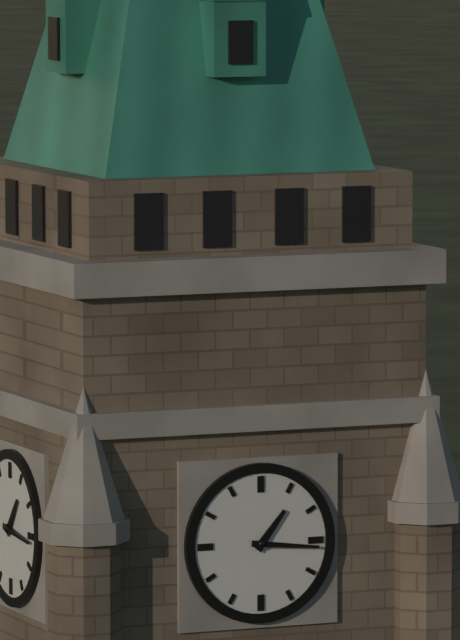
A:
1 h 16 min
